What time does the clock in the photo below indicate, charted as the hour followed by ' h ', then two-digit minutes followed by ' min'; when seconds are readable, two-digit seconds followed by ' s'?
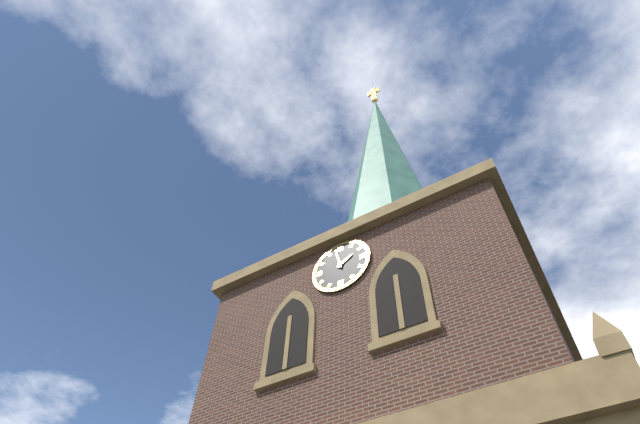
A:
1 h 58 min
